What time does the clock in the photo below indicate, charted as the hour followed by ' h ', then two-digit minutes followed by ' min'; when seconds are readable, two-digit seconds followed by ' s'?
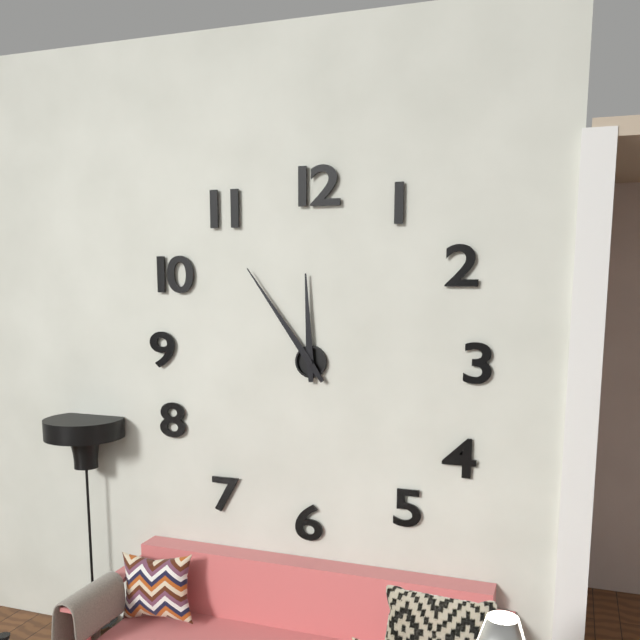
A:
11 h 54 min
